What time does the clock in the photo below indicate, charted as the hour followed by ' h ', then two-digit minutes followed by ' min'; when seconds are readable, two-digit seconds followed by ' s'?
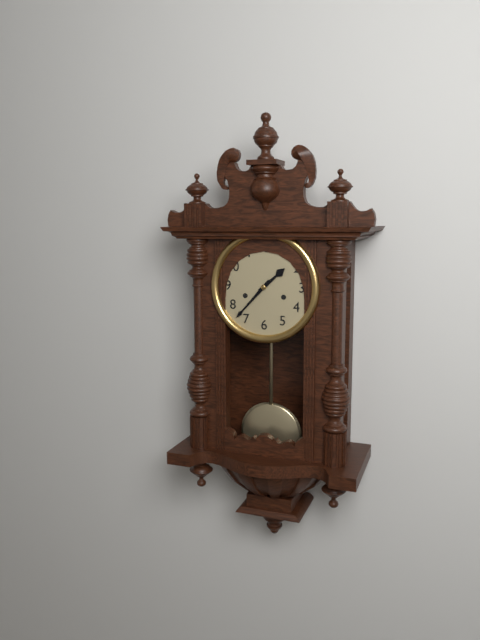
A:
1 h 37 min
